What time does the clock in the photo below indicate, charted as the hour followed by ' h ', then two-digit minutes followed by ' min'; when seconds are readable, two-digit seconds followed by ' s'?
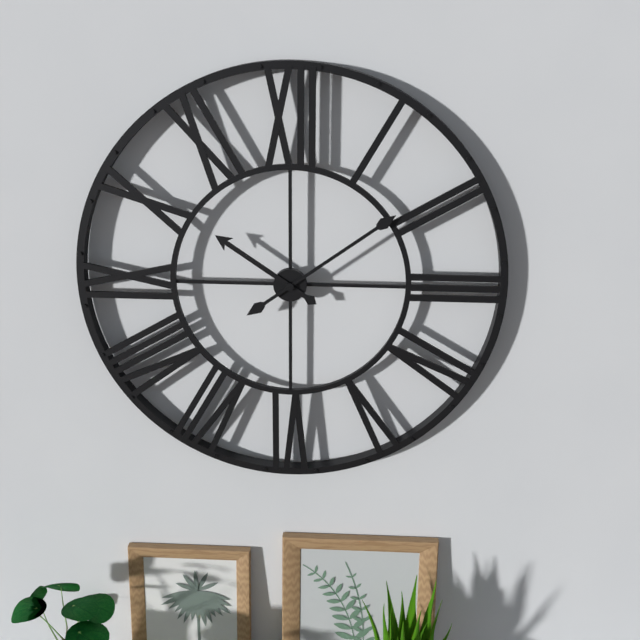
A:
10 h 09 min
